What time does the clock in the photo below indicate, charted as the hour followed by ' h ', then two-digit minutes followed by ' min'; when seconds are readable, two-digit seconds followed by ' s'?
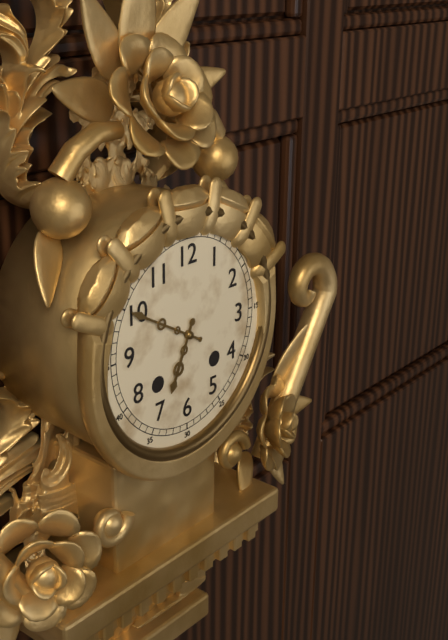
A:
6 h 50 min
